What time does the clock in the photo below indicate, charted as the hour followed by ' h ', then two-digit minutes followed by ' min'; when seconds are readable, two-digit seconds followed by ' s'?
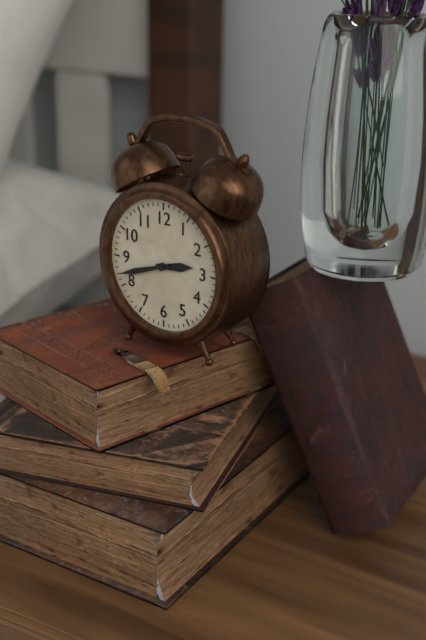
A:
2 h 42 min
